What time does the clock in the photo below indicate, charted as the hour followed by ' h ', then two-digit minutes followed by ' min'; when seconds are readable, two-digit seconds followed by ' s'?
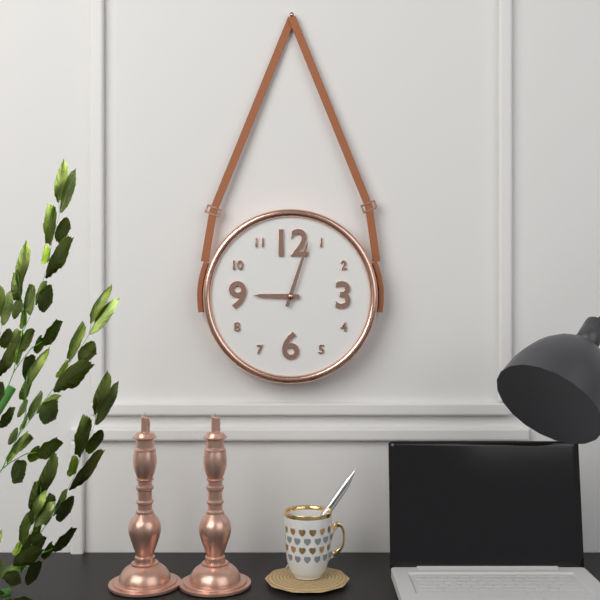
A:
9 h 03 min
